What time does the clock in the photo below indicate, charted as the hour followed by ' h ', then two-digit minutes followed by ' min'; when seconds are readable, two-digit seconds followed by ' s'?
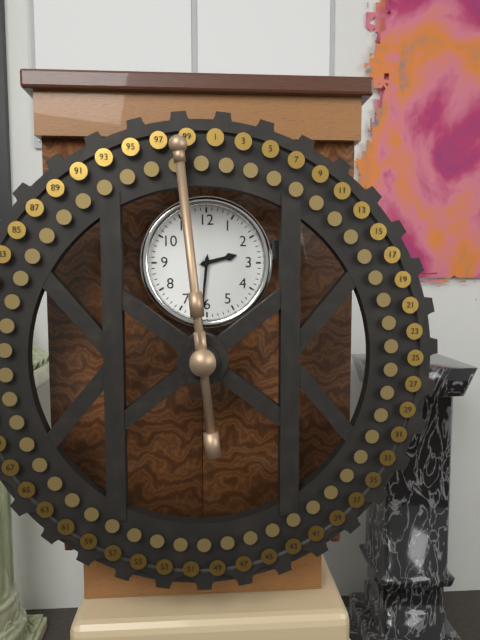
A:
2 h 31 min
